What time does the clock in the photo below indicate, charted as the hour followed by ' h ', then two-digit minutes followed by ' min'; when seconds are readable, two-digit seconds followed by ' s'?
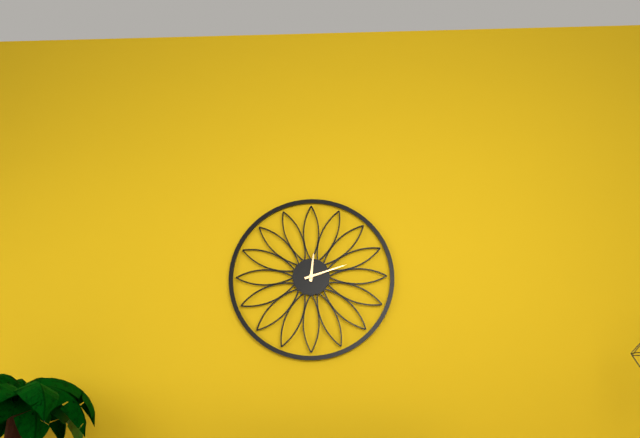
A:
12 h 12 min
